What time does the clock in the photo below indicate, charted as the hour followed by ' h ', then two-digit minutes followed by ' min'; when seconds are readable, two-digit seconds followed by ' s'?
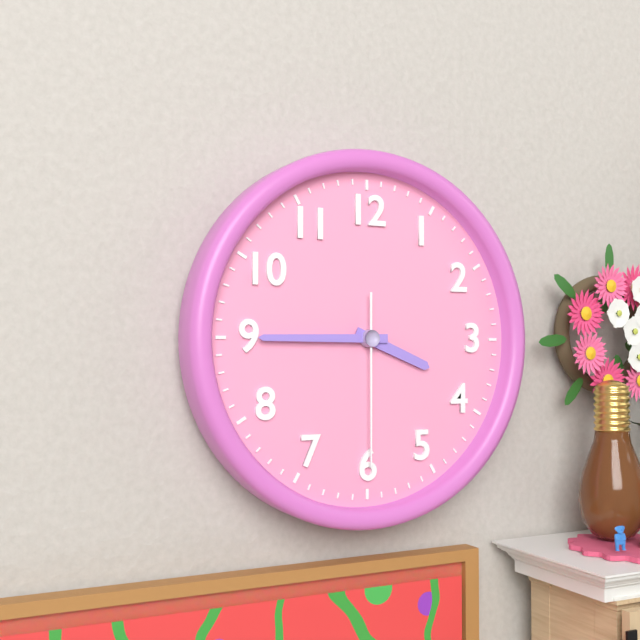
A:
3 h 45 min 30 s
